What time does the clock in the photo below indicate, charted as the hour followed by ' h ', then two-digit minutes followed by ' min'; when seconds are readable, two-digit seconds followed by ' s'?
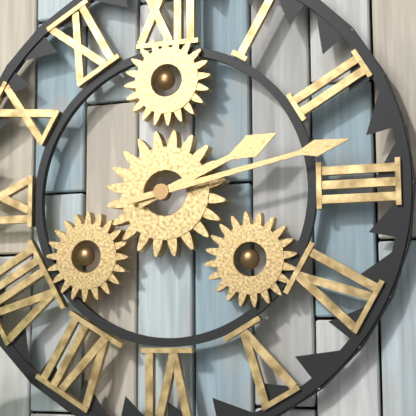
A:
2 h 13 min
